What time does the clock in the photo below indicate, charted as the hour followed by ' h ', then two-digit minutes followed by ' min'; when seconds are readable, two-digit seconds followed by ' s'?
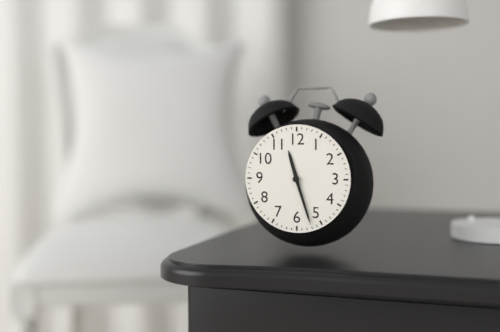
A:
11 h 27 min
